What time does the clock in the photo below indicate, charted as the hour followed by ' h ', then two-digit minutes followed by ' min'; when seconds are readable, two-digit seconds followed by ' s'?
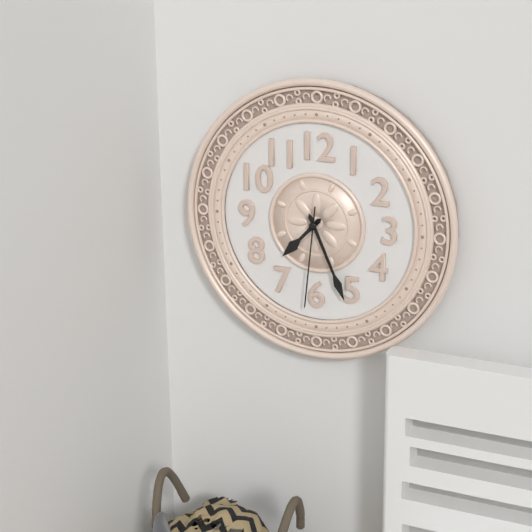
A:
7 h 26 min 31 s
